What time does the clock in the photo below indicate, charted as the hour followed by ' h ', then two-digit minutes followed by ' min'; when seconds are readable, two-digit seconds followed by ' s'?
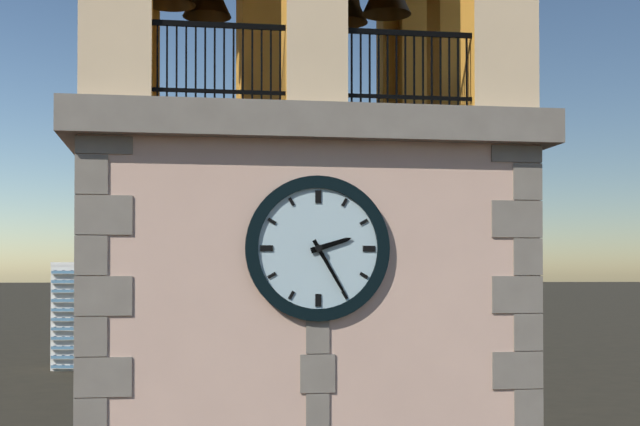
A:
2 h 25 min
